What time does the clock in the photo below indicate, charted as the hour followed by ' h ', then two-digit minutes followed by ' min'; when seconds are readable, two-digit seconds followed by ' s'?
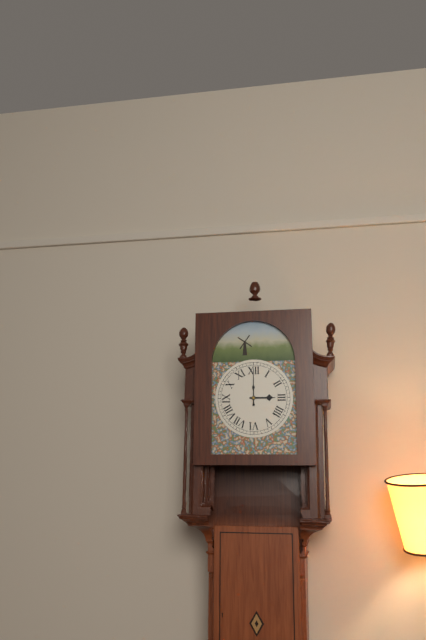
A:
3 h 00 min
